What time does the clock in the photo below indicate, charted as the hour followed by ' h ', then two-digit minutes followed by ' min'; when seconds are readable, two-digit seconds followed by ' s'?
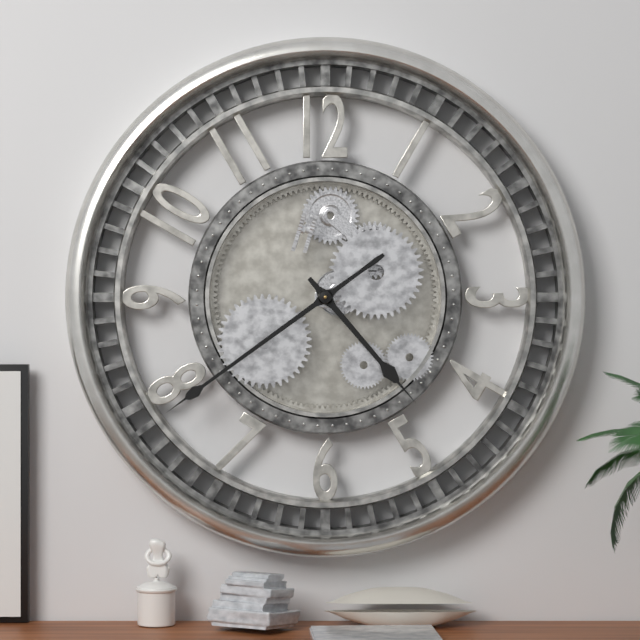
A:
4 h 39 min
